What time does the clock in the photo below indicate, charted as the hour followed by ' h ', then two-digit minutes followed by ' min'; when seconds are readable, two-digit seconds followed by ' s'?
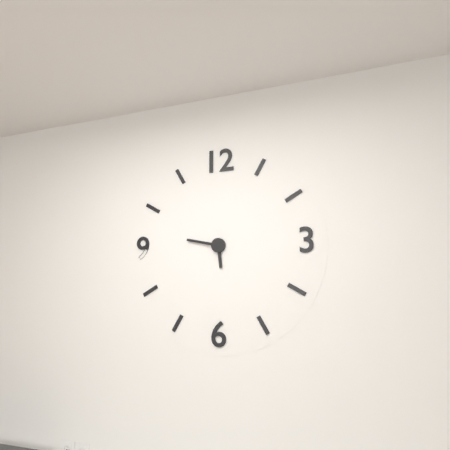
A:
5 h 47 min
